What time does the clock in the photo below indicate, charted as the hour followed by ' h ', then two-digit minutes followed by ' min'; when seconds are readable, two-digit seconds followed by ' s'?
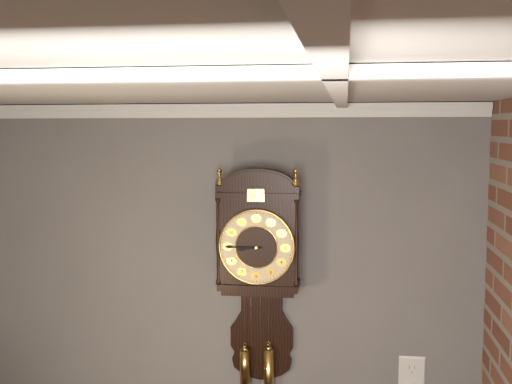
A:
8 h 45 min
